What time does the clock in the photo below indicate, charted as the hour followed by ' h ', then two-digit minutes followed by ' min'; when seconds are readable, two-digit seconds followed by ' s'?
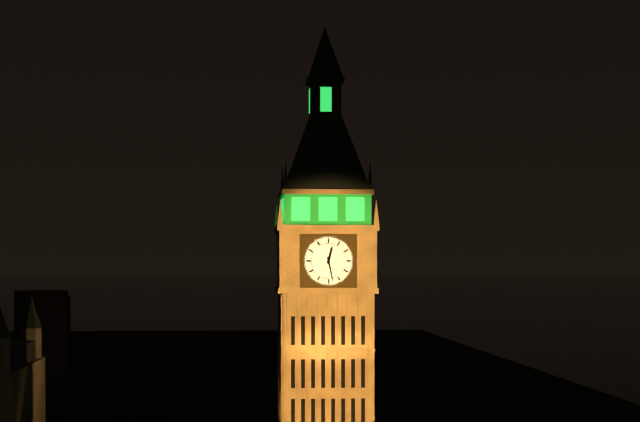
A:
12 h 28 min
